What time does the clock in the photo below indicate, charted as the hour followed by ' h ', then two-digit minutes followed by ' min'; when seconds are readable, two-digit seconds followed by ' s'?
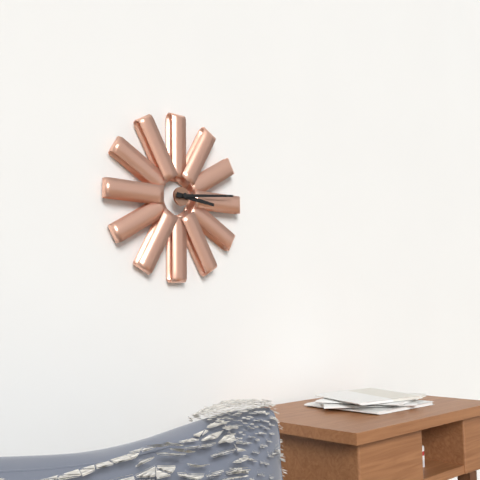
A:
3 h 14 min
